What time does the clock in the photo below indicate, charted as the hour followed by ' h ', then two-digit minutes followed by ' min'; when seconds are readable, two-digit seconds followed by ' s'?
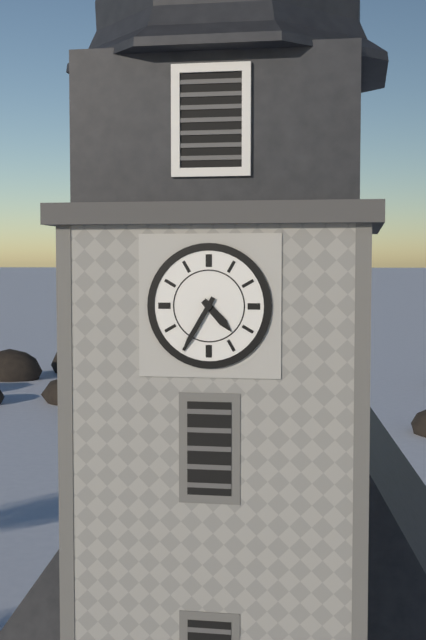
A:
4 h 35 min
